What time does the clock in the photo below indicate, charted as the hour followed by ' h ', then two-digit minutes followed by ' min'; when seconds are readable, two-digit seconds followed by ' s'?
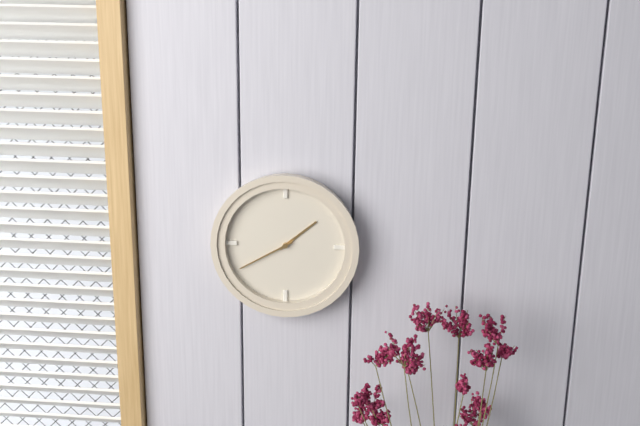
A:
1 h 40 min
